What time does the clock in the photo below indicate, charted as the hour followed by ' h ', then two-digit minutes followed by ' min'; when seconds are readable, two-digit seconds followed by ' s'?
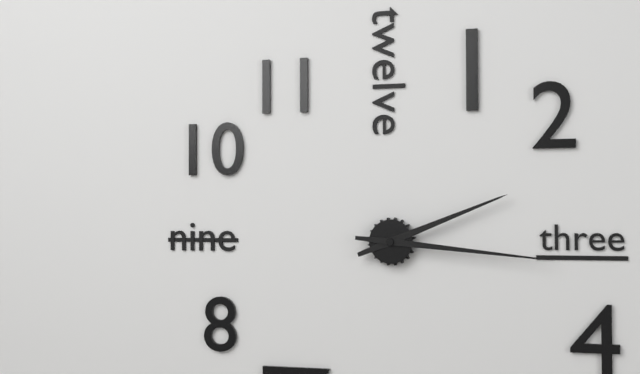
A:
2 h 16 min
